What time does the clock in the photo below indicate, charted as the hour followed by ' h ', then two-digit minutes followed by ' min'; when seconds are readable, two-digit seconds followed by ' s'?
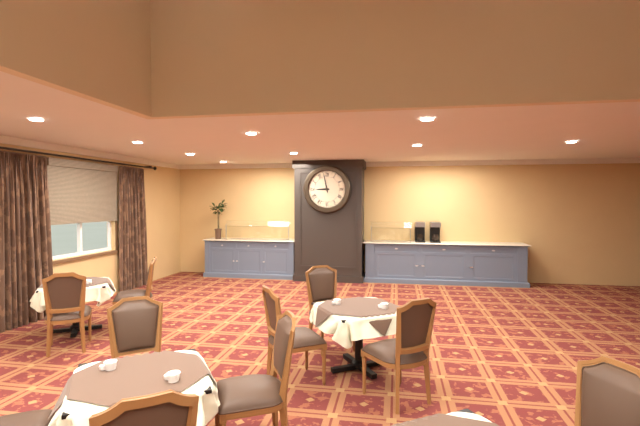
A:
8 h 58 min
